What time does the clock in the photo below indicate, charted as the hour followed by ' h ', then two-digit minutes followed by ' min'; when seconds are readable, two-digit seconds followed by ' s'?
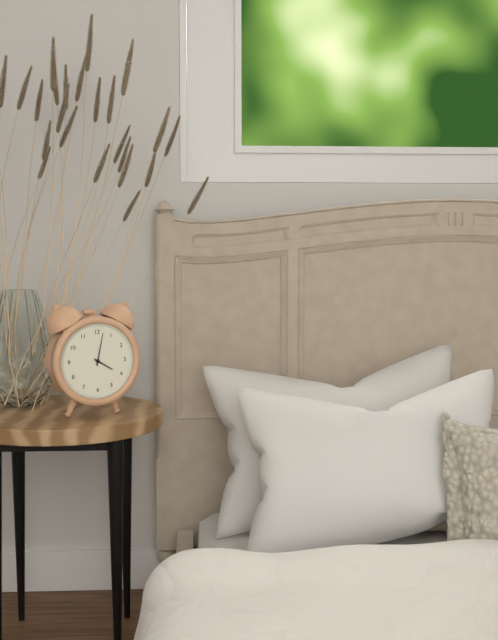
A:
4 h 02 min
